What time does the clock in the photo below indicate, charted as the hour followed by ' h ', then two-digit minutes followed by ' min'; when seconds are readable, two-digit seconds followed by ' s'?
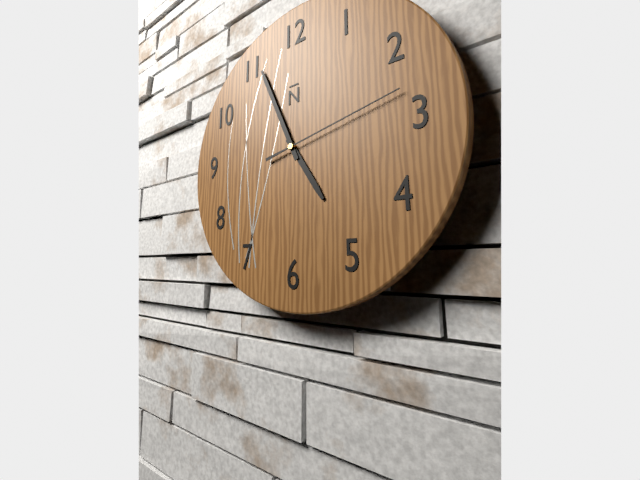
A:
4 h 56 min 13 s
